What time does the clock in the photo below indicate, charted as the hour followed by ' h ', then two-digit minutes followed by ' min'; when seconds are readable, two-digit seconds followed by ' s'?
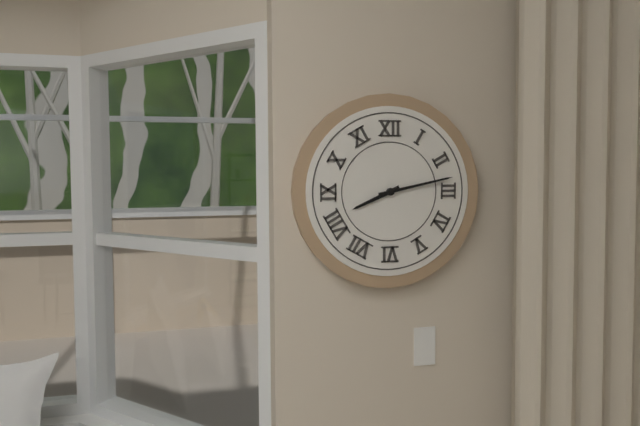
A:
8 h 13 min
